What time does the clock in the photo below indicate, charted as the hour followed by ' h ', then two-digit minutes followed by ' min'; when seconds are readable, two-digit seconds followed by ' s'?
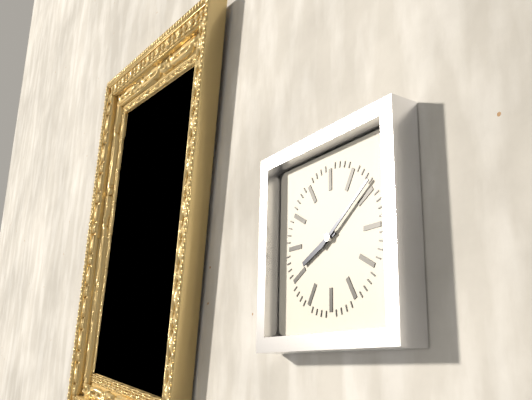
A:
8 h 09 min
